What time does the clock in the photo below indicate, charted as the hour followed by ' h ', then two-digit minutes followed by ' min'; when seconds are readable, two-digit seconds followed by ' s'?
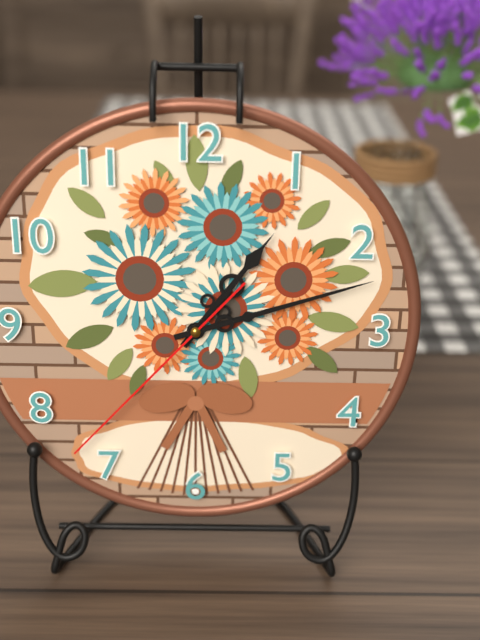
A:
1 h 12 min 37 s
